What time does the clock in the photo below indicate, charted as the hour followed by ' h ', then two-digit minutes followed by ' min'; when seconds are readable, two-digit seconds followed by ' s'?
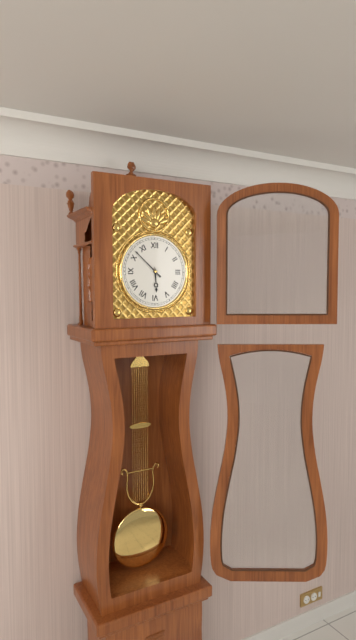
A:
5 h 52 min
